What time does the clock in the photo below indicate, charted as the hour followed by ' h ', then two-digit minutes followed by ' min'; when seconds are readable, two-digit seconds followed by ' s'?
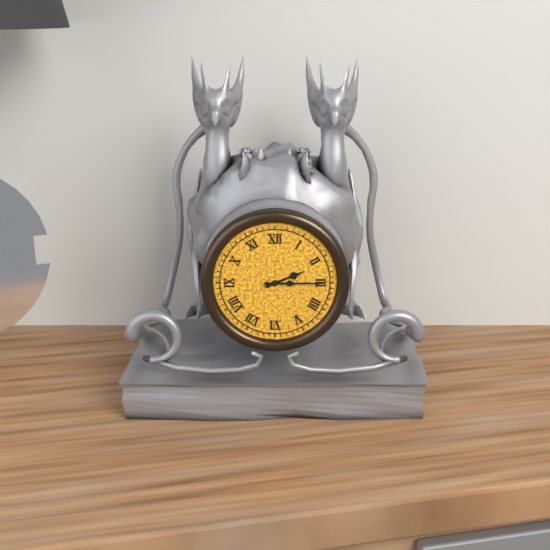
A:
2 h 15 min
